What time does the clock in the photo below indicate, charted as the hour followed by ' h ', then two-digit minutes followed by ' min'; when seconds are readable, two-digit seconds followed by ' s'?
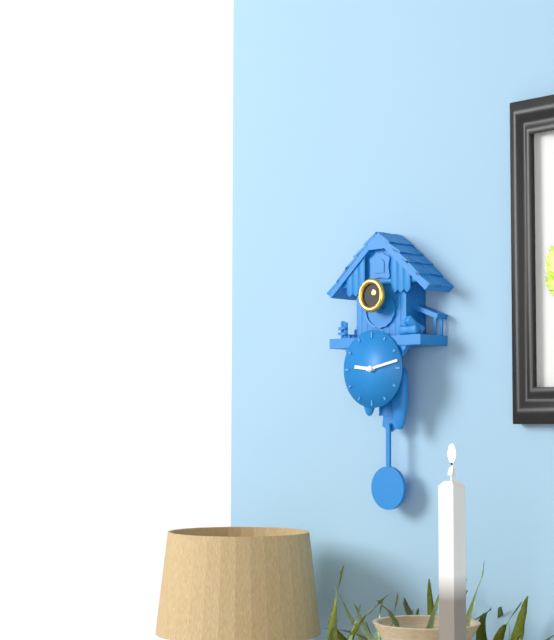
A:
9 h 13 min
